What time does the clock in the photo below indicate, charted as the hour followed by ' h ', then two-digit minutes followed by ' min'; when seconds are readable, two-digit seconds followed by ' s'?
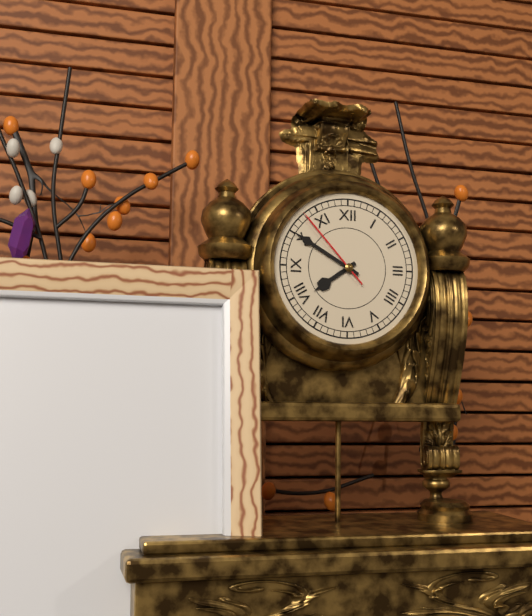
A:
7 h 50 min 53 s
